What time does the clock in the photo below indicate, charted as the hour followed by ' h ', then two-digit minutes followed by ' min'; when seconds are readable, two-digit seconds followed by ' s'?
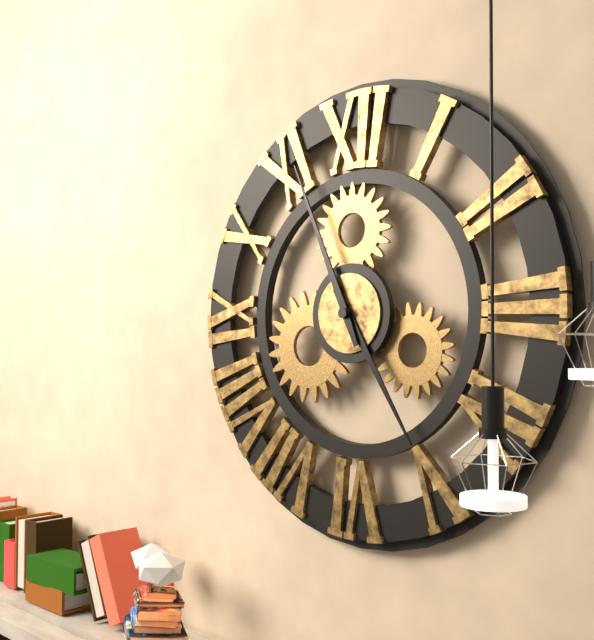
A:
4 h 56 min
